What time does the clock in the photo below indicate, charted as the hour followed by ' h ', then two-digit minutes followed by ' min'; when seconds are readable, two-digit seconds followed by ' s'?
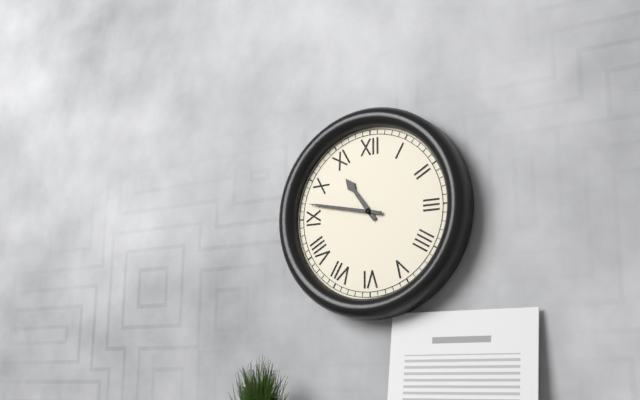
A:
10 h 47 min
